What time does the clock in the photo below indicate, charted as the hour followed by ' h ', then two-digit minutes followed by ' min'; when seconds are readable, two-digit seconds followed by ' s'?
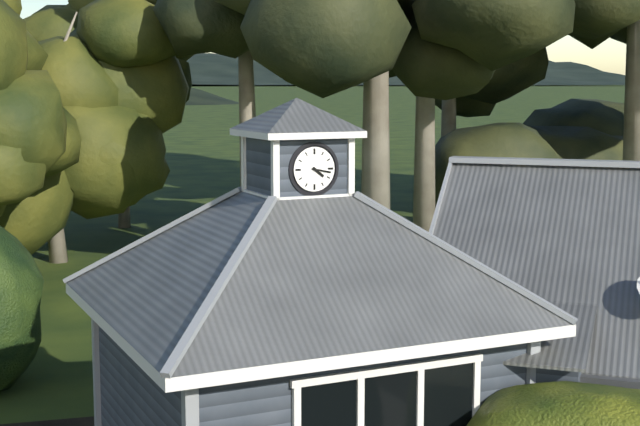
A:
4 h 17 min
